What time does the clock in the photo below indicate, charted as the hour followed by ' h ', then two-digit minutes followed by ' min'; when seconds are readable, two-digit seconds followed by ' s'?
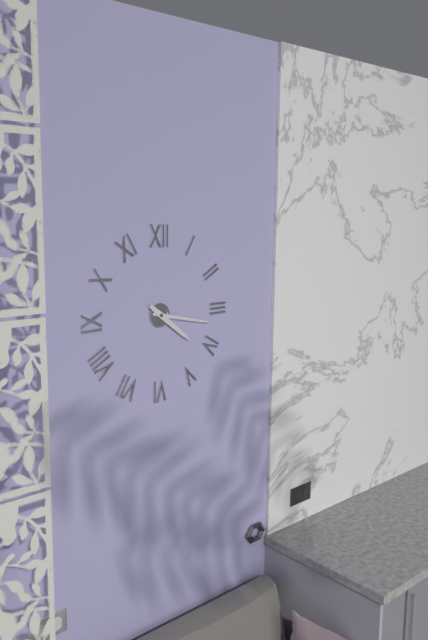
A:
4 h 17 min
